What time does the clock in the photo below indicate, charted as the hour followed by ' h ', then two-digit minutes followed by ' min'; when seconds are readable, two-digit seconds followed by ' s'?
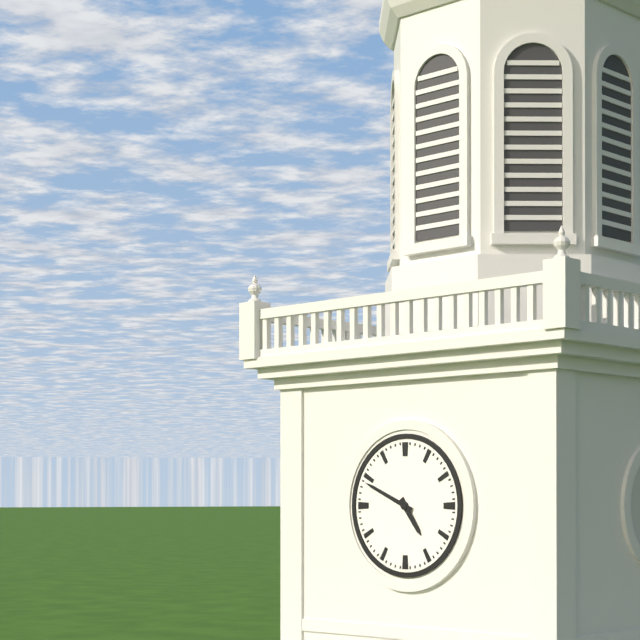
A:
4 h 49 min
